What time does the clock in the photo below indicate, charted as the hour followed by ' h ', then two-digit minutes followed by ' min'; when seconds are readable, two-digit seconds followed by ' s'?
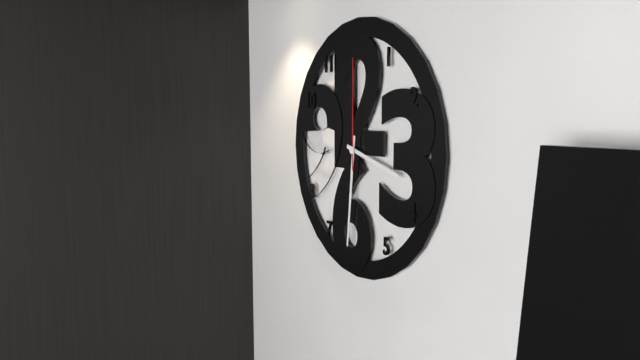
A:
3 h 31 min 00 s
